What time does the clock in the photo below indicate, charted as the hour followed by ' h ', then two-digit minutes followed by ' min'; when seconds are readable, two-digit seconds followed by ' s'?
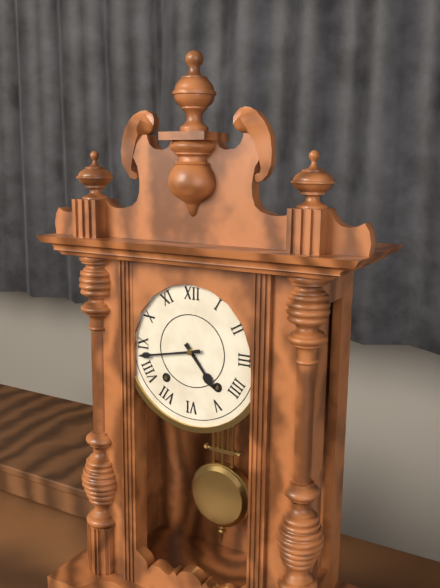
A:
4 h 43 min
